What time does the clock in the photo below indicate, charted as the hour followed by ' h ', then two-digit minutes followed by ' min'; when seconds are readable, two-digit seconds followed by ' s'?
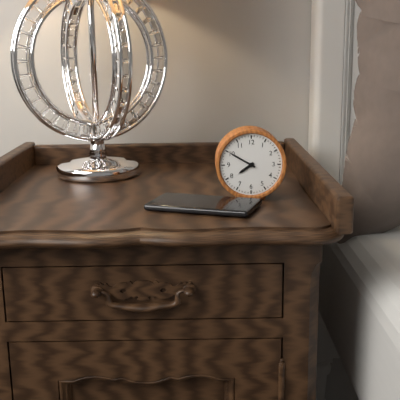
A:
7 h 50 min
